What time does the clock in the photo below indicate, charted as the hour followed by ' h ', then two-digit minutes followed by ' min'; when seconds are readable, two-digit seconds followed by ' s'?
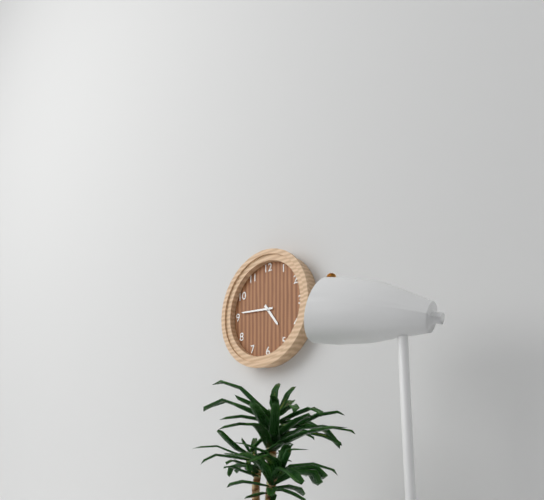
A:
4 h 46 min
